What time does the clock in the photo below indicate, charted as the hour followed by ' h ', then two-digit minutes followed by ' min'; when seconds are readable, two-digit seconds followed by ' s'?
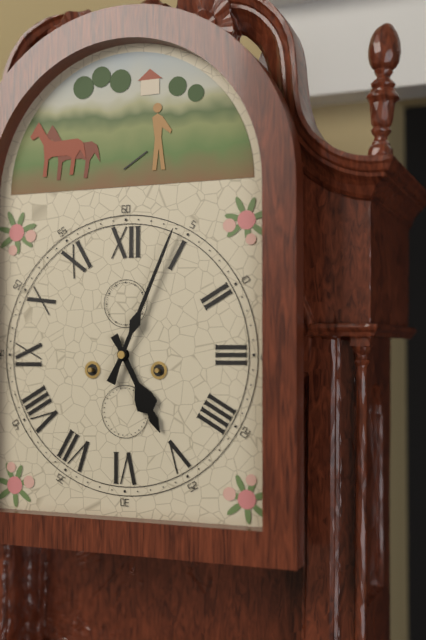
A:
5 h 04 min
